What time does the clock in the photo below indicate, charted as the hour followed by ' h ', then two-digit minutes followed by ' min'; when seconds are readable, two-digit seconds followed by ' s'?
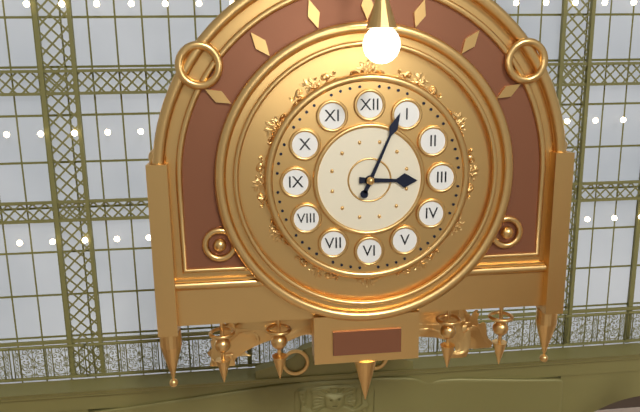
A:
3 h 04 min
